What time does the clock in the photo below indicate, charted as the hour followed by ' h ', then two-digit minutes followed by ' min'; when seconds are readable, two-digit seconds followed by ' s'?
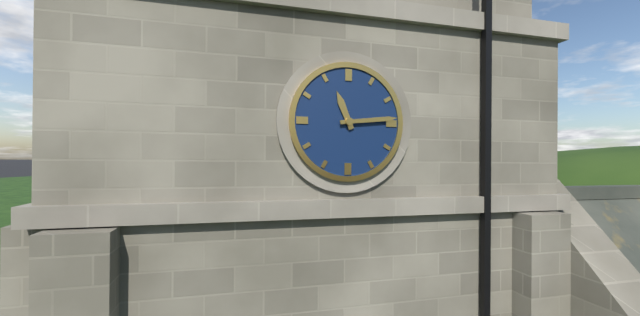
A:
11 h 14 min
